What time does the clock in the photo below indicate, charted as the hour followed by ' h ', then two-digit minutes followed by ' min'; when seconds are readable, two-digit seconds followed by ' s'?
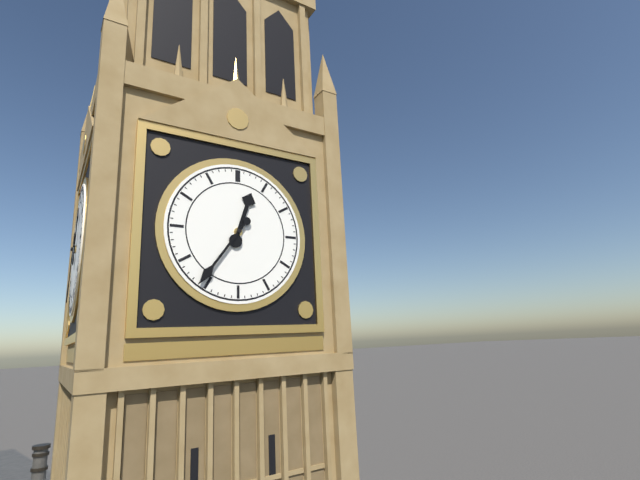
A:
12 h 36 min
